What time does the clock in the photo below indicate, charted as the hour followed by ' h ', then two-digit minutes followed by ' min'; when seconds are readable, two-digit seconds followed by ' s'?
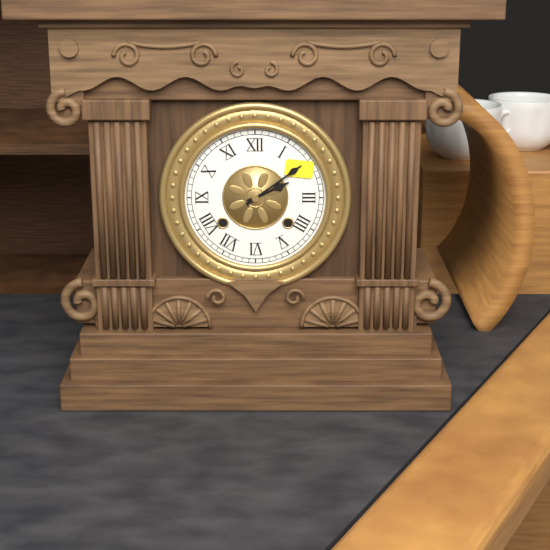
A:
2 h 09 min
